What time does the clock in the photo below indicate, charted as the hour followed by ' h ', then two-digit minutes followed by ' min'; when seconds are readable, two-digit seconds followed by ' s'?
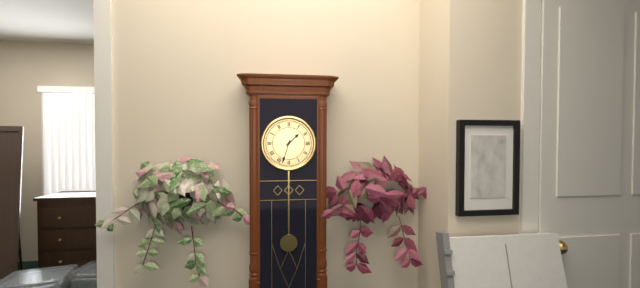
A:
1 h 33 min
